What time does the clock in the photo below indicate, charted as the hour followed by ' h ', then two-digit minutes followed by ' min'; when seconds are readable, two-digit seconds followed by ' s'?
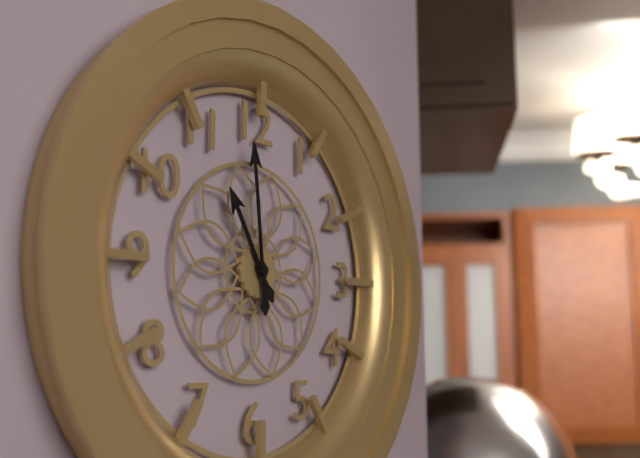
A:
10 h 59 min
